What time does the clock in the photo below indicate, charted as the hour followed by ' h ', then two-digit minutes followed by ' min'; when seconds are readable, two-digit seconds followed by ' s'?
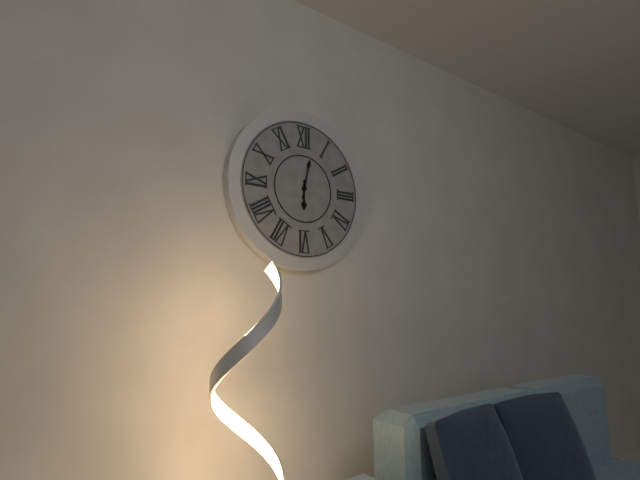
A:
6 h 02 min
